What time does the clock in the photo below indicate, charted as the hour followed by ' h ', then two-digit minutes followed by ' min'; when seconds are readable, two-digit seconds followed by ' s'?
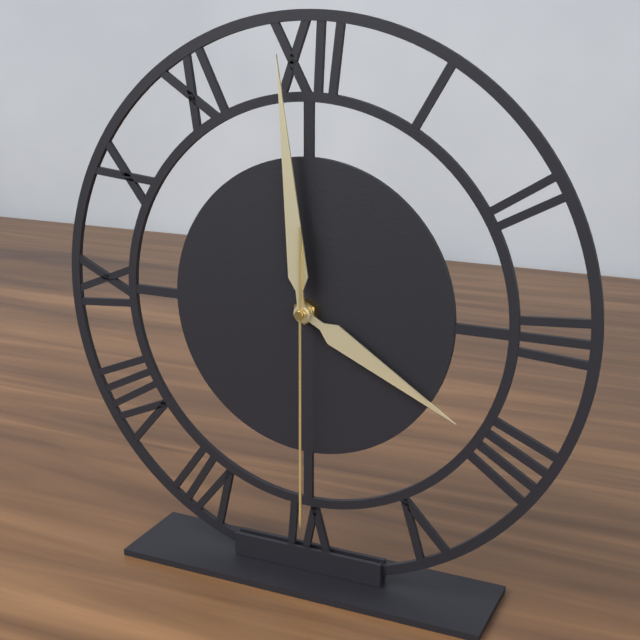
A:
3 h 59 min 30 s
